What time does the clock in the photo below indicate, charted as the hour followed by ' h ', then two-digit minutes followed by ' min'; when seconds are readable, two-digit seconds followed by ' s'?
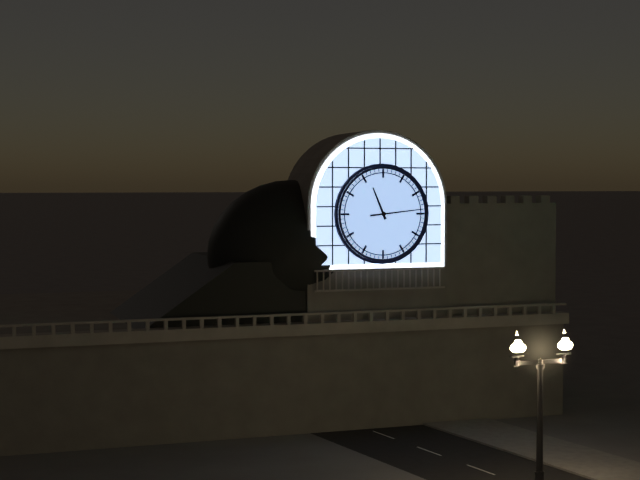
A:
11 h 14 min
